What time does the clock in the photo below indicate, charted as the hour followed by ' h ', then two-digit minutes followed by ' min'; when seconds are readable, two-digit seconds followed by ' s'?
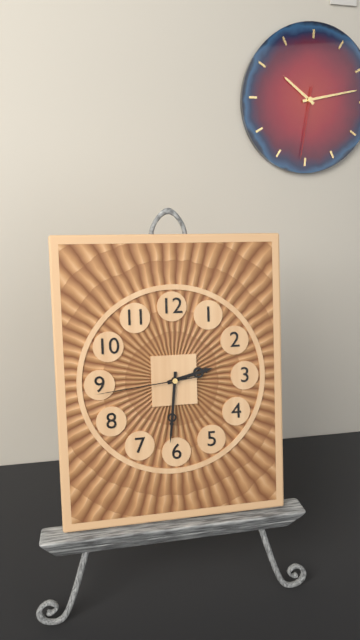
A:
2 h 31 min 44 s
